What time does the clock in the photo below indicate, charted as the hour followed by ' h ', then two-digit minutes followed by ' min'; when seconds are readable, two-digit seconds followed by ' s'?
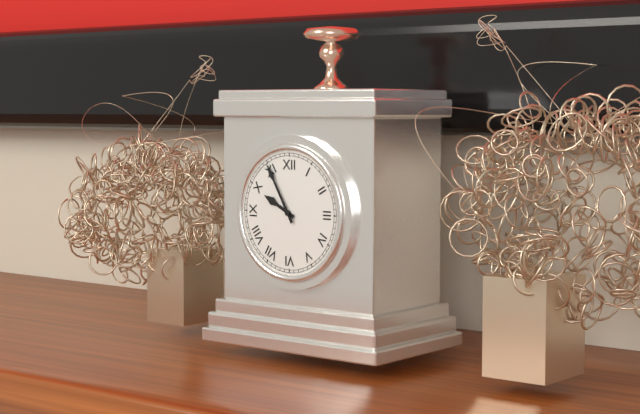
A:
9 h 55 min
